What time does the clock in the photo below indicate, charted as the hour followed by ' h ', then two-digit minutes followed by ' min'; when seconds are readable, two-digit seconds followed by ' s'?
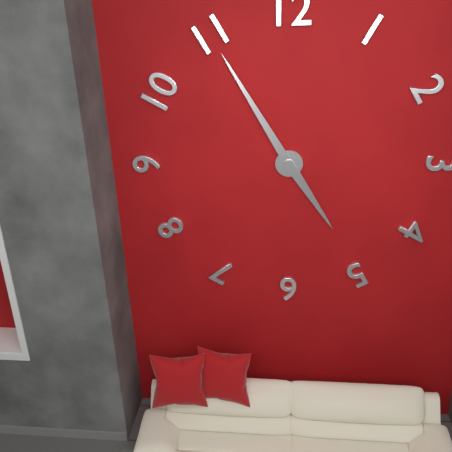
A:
4 h 55 min
